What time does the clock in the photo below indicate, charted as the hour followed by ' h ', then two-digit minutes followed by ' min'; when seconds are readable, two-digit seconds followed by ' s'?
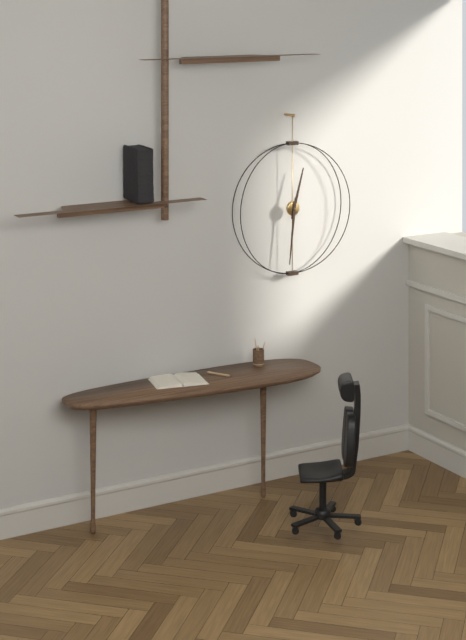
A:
12 h 31 min
